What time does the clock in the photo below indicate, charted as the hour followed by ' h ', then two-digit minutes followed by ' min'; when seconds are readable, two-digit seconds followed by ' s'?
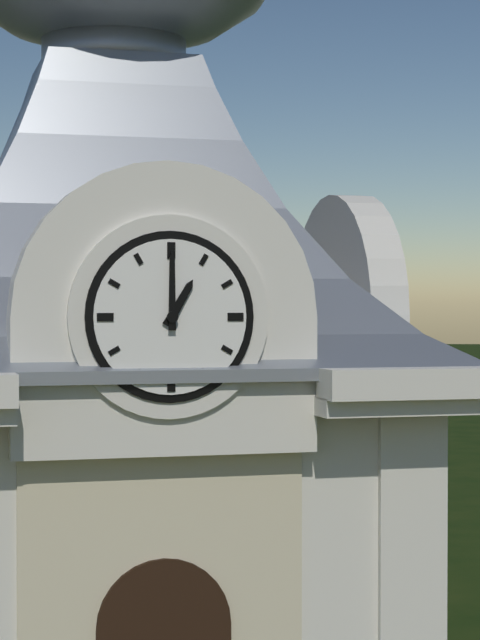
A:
1 h 00 min
